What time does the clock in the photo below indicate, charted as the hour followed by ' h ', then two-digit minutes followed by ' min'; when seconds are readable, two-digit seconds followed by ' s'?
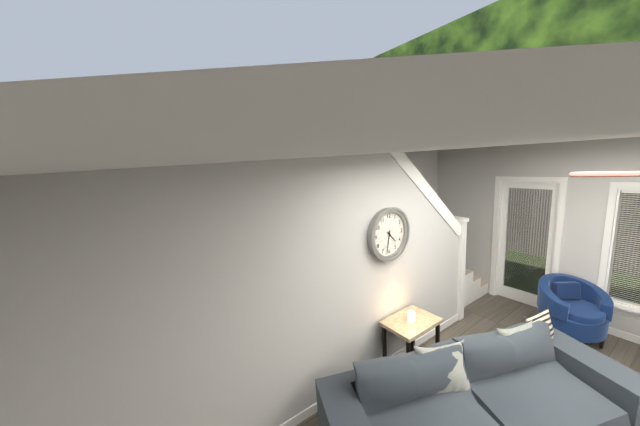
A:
4 h 32 min
